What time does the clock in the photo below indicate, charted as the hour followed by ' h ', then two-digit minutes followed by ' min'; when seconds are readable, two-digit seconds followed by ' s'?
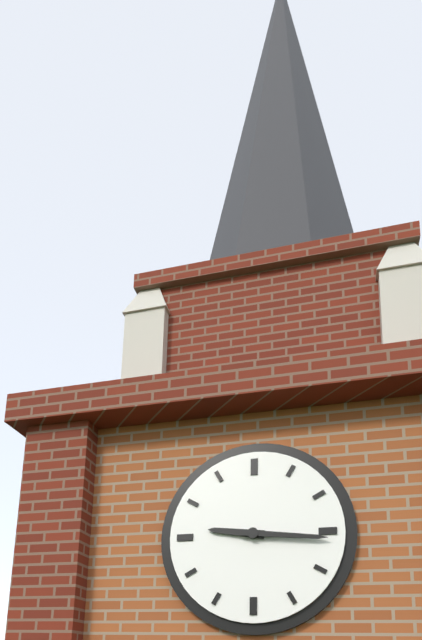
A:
9 h 16 min
